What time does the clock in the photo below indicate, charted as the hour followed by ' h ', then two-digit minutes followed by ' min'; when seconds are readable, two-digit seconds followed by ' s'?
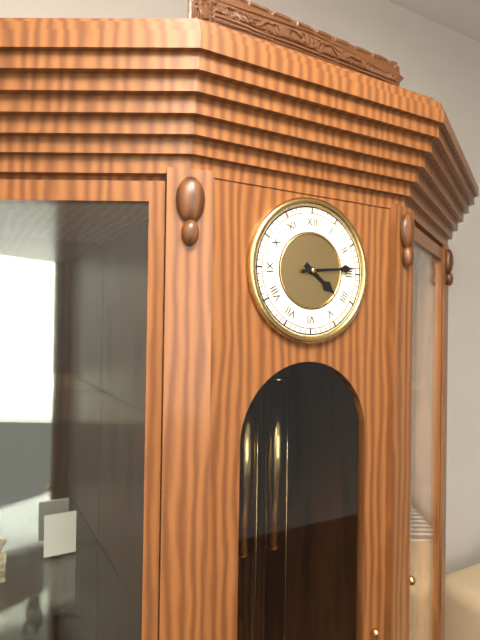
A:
4 h 14 min
